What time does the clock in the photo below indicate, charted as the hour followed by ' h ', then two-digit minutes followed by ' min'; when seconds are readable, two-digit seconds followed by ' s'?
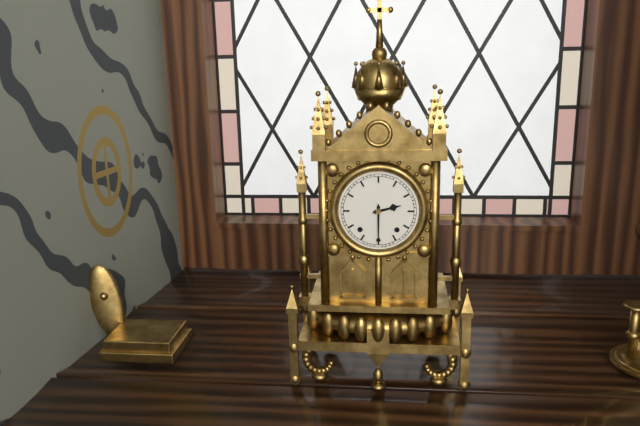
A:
2 h 30 min
